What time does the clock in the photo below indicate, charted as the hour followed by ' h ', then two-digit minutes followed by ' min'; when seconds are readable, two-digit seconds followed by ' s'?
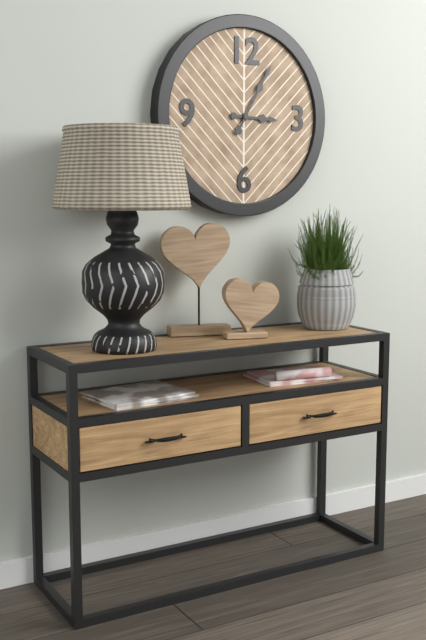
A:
3 h 05 min
